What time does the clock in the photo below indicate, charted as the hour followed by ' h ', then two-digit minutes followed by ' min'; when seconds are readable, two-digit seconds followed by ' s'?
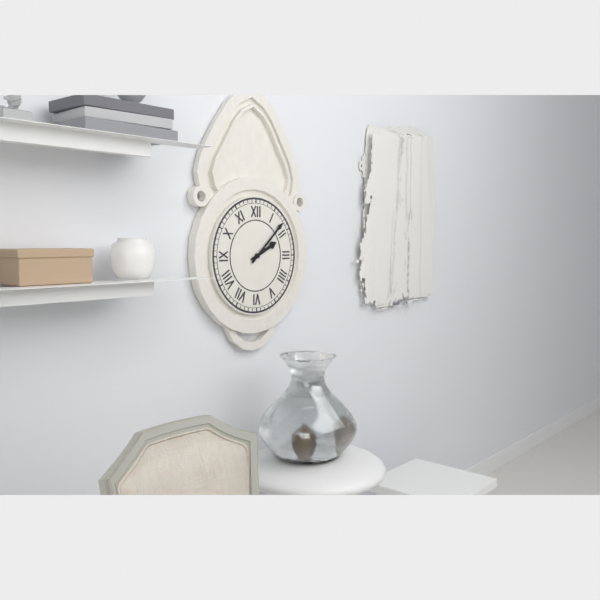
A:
2 h 08 min
